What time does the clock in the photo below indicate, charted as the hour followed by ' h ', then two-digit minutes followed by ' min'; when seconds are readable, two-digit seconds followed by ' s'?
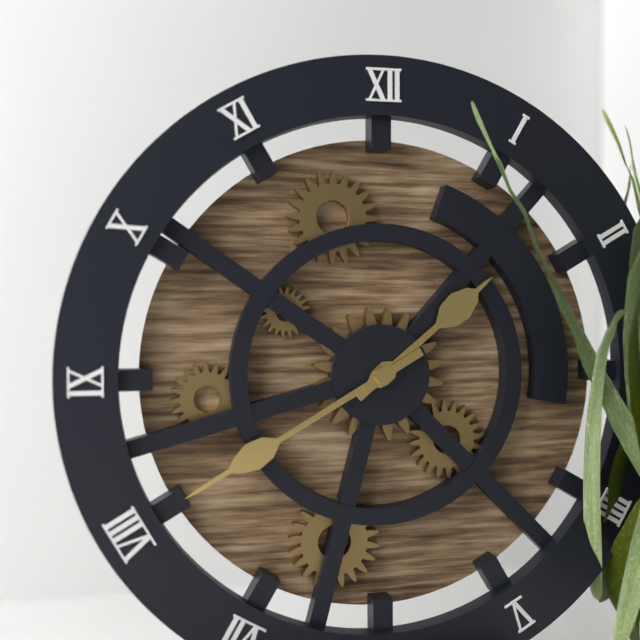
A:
1 h 40 min
